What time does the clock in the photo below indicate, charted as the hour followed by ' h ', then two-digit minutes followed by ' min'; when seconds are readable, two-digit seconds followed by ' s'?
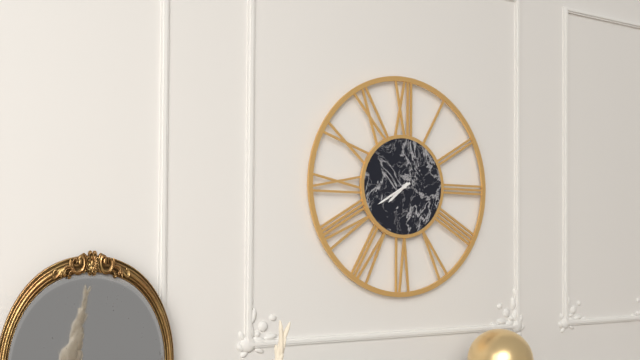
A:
7 h 40 min
